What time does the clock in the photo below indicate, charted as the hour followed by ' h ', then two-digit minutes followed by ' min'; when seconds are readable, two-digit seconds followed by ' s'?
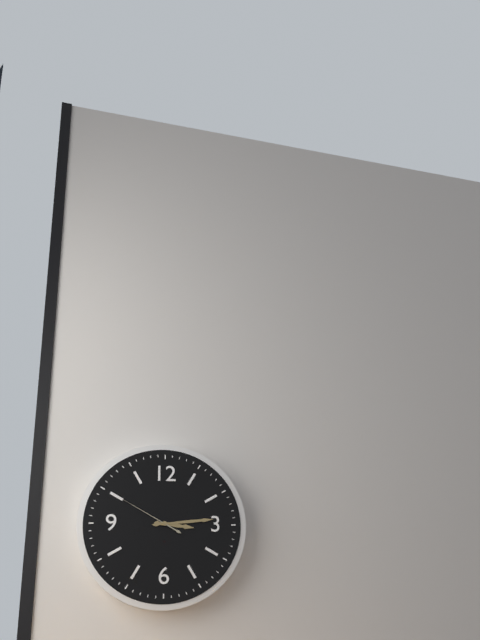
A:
3 h 14 min 50 s
